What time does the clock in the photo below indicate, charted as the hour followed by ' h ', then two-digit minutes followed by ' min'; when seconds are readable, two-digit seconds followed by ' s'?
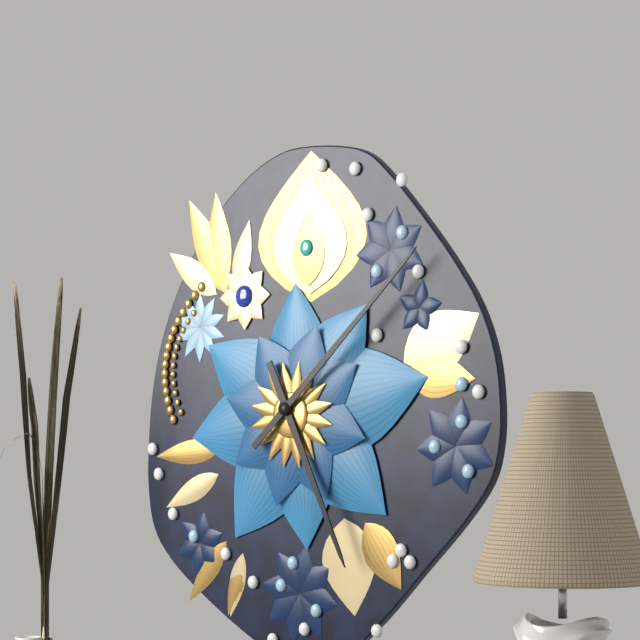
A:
5 h 08 min
